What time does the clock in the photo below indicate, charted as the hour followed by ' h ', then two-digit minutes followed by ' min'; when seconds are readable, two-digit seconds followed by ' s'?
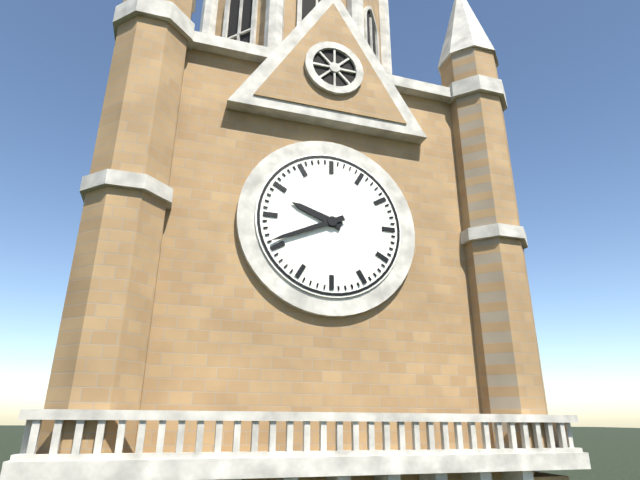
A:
9 h 41 min
